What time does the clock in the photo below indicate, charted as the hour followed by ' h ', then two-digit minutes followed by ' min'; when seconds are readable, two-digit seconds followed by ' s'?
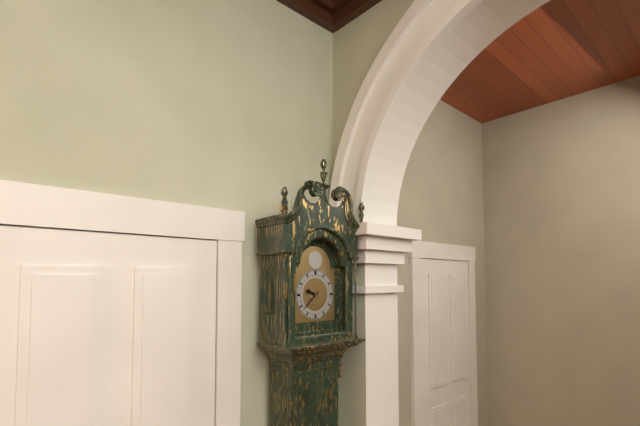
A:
9 h 38 min
